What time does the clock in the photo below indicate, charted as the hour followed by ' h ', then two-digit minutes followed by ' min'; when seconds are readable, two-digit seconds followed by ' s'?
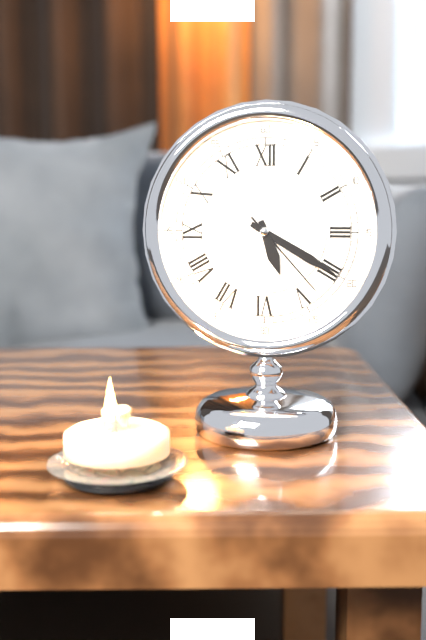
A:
5 h 20 min 23 s
